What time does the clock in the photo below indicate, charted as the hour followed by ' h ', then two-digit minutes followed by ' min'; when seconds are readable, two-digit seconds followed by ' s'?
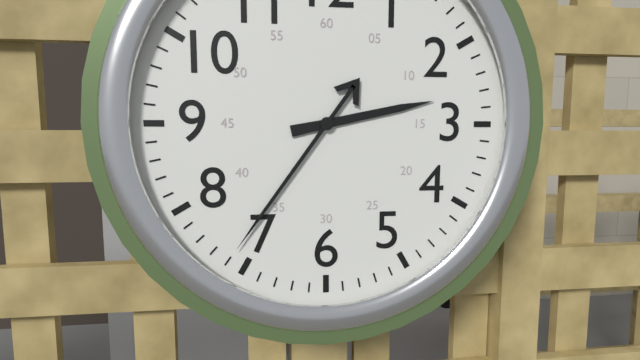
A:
2 h 36 min
